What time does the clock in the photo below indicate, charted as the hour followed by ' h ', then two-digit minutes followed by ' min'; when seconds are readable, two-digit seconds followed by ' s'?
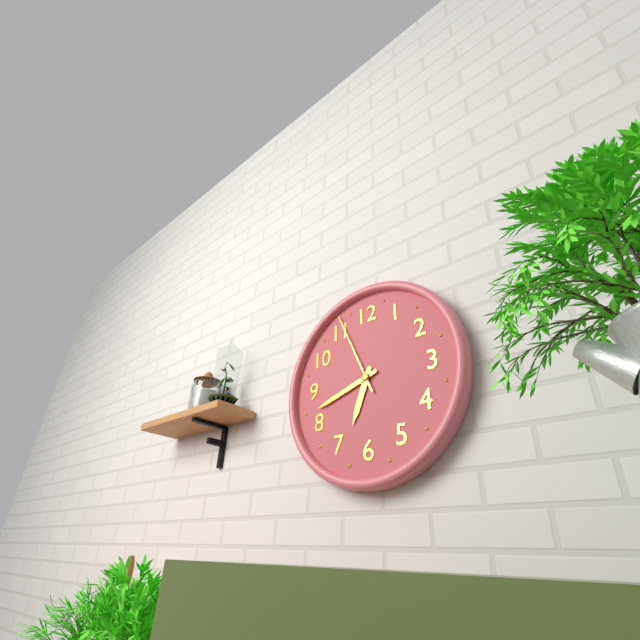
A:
6 h 42 min 56 s
